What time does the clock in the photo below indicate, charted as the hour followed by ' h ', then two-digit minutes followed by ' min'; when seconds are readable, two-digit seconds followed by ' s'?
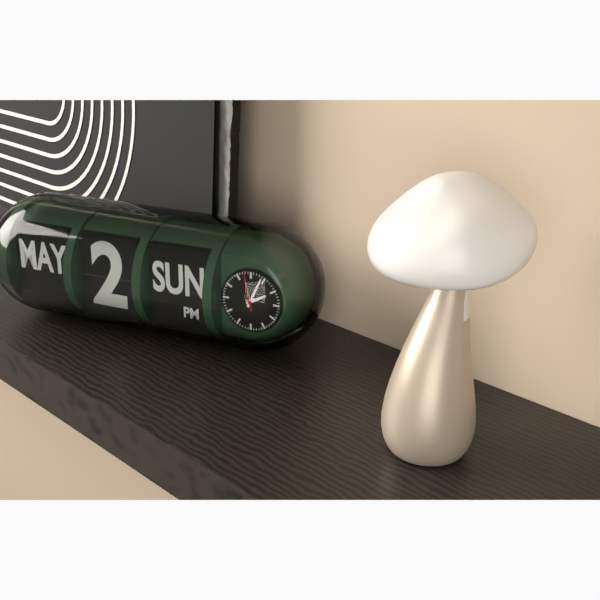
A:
2 h 04 min
